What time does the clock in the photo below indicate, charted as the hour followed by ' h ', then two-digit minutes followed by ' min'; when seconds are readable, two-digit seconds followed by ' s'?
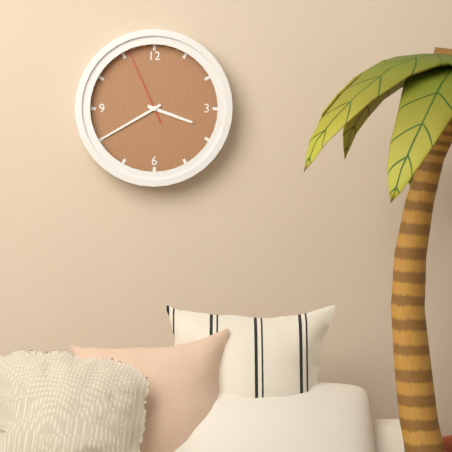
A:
3 h 40 min 56 s
